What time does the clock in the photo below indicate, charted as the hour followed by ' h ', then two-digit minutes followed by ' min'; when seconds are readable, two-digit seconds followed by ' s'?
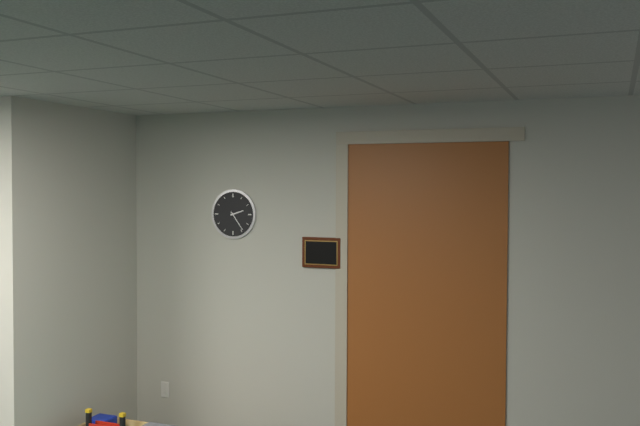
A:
2 h 24 min
